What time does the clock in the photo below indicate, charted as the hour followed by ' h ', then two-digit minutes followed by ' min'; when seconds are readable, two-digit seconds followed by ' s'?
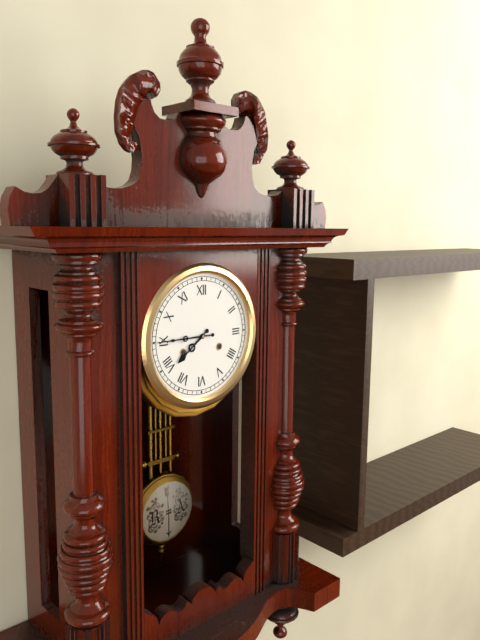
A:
7 h 45 min
